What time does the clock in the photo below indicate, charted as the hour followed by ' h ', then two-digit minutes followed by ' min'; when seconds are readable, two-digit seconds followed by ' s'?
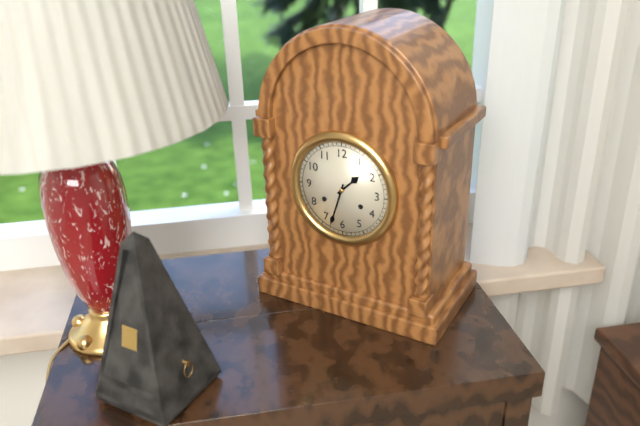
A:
1 h 33 min
